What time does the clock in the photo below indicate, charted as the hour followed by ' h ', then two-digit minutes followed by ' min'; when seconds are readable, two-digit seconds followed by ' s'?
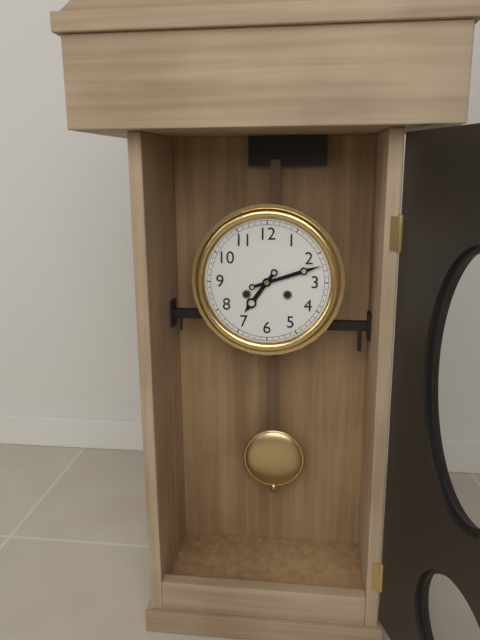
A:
7 h 12 min
